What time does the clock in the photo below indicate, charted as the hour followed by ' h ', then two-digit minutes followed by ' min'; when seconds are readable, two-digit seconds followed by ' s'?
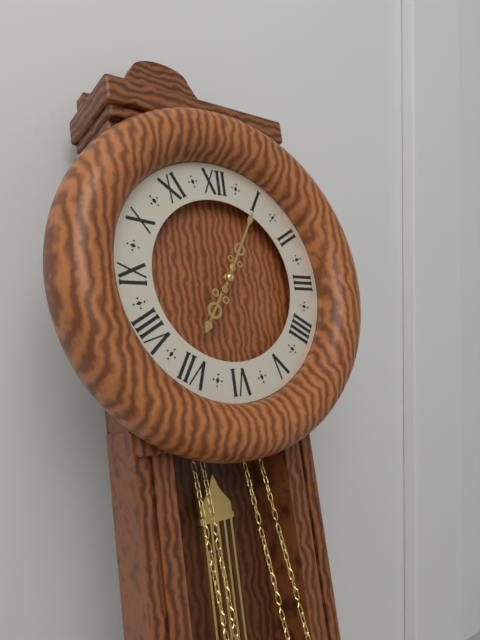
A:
7 h 05 min
